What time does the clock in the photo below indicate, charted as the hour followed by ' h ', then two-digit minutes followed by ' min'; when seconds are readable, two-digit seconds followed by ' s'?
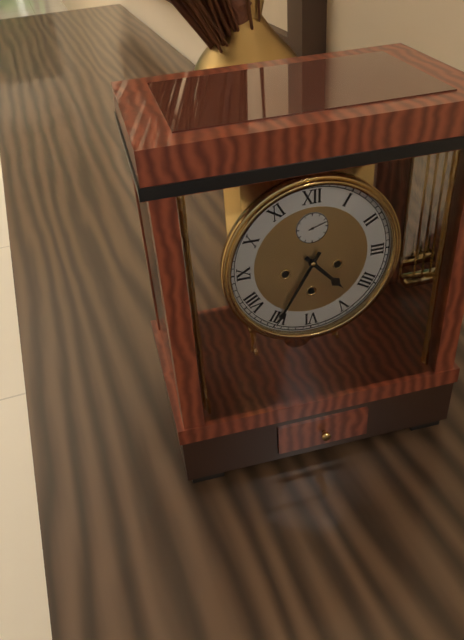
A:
4 h 35 min
